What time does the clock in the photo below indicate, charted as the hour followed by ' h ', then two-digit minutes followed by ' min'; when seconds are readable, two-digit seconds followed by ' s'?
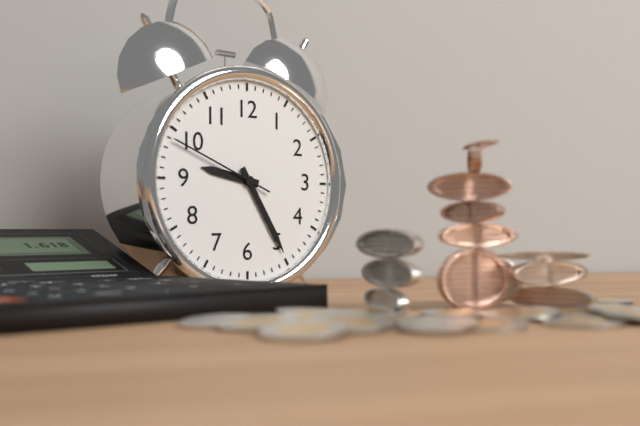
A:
9 h 25 min 49 s
